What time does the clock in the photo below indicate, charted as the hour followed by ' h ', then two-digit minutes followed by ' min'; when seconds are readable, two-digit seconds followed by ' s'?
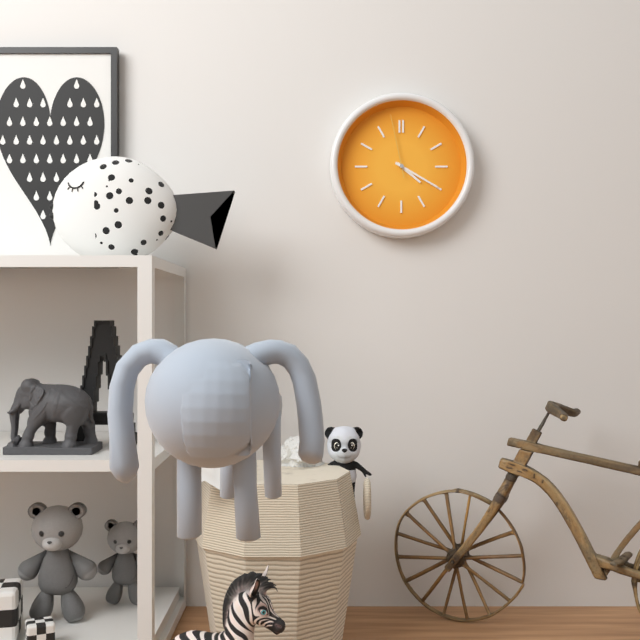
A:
4 h 20 min 58 s
